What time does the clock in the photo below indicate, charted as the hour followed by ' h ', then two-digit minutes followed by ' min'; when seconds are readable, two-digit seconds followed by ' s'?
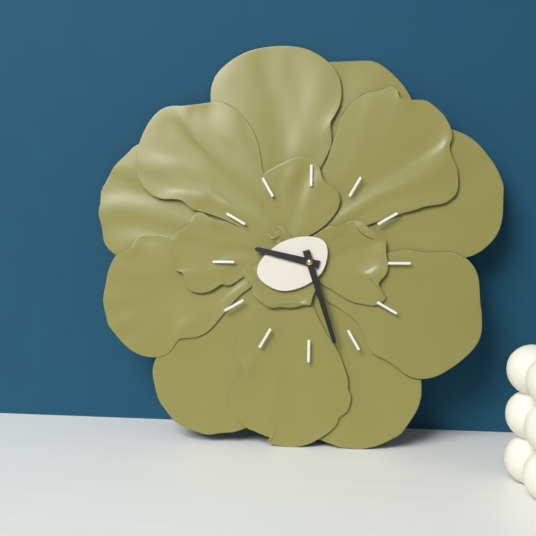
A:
9 h 27 min
